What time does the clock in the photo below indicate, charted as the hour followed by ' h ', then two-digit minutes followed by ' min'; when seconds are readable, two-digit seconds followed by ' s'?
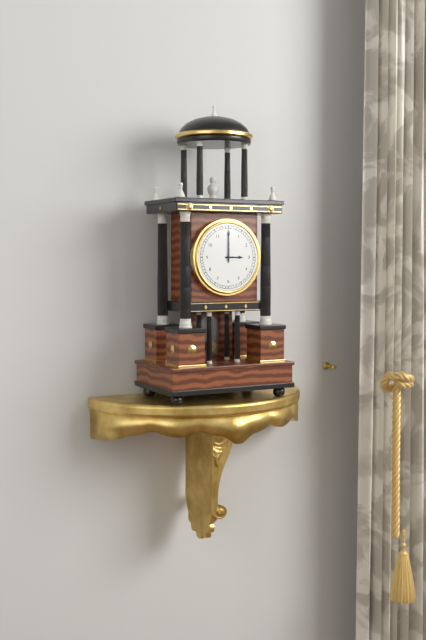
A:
3 h 00 min
